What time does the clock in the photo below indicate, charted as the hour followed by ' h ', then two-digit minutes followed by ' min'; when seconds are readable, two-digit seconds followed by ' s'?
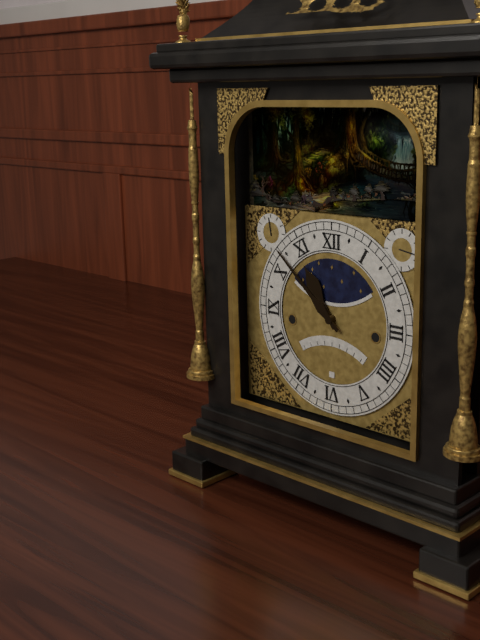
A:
10 h 52 min
